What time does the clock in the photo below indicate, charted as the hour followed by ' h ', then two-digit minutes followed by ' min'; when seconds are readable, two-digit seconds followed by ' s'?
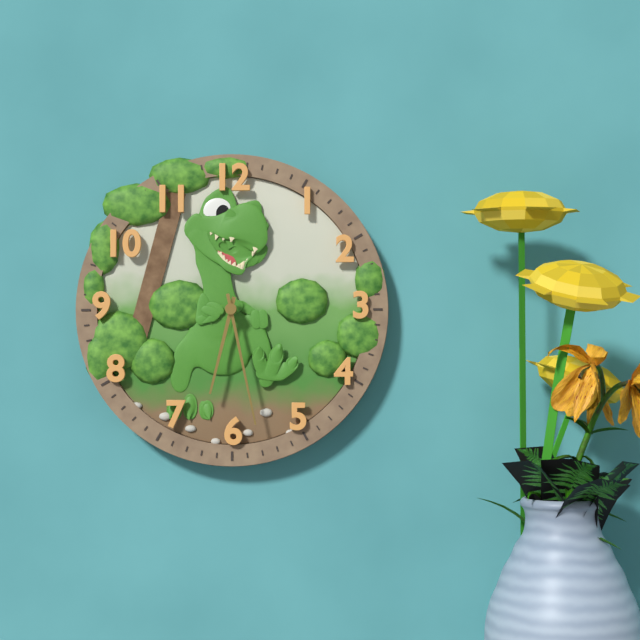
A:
6 h 28 min
